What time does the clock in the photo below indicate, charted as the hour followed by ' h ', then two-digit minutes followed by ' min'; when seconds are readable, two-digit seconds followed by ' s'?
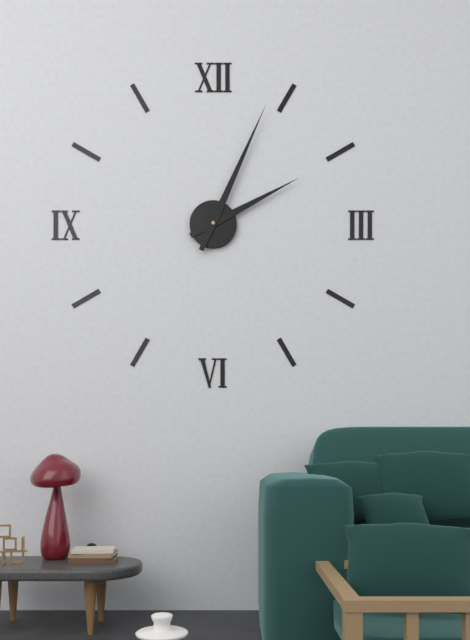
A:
2 h 04 min
